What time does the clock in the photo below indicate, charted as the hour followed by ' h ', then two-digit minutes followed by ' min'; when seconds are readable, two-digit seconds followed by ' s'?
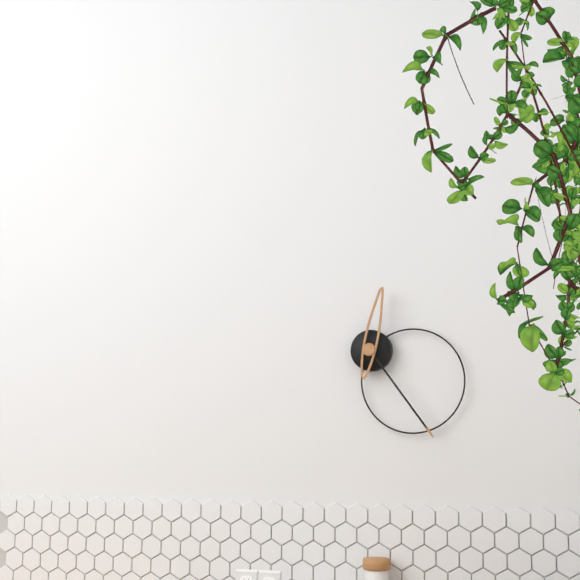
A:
12 h 24 min
